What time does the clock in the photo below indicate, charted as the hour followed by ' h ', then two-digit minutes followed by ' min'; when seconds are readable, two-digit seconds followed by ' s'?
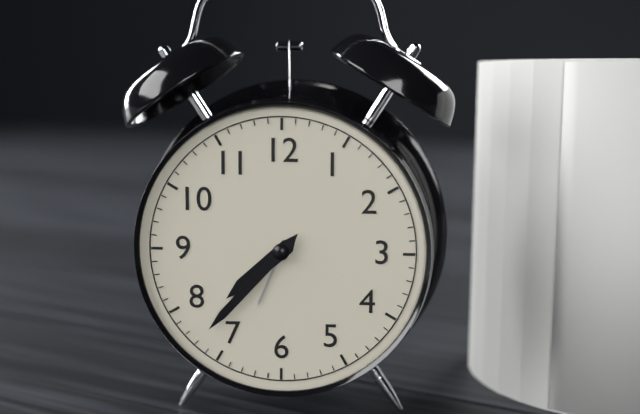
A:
7 h 37 min
